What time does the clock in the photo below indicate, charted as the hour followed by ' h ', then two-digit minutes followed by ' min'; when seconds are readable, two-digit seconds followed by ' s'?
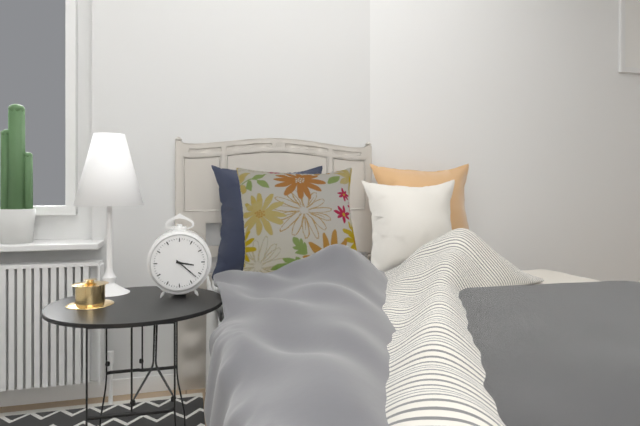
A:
3 h 22 min
